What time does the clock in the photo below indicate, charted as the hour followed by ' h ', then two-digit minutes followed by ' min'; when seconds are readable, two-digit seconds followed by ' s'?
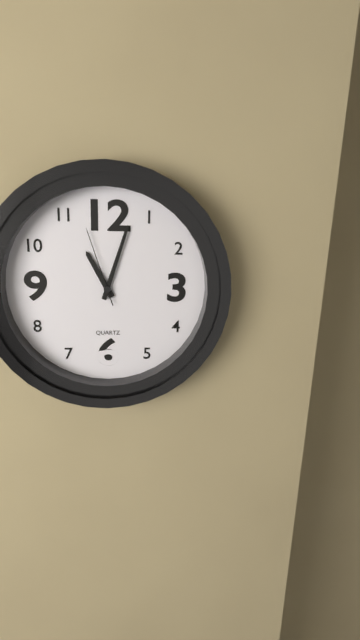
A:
11 h 03 min 57 s
